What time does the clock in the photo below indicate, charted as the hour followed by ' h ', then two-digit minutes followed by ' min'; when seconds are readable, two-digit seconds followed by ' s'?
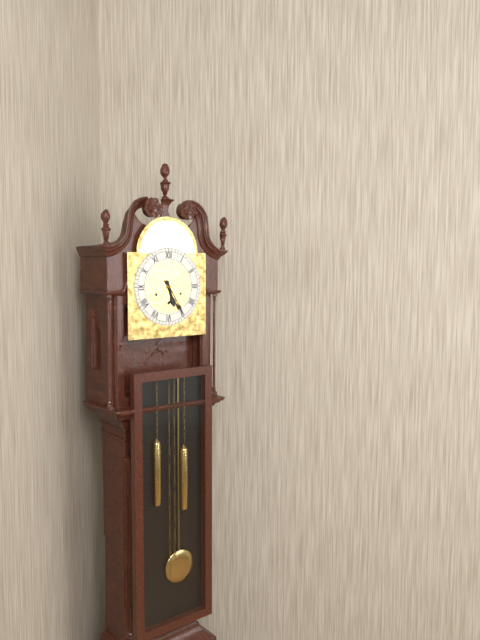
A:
5 h 25 min
